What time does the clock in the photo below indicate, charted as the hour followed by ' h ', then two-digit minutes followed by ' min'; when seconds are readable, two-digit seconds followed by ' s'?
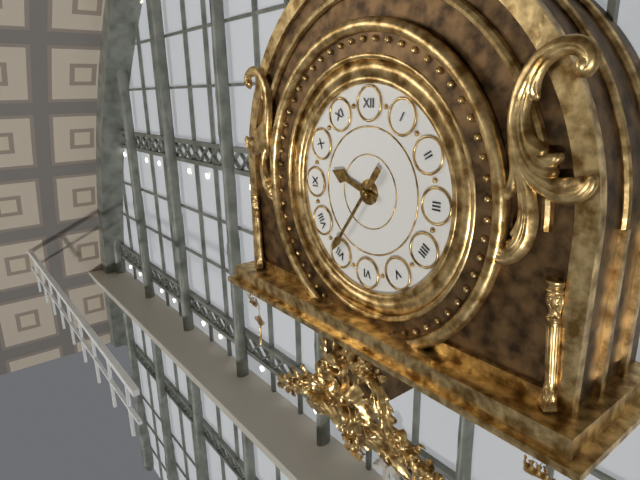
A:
9 h 36 min
